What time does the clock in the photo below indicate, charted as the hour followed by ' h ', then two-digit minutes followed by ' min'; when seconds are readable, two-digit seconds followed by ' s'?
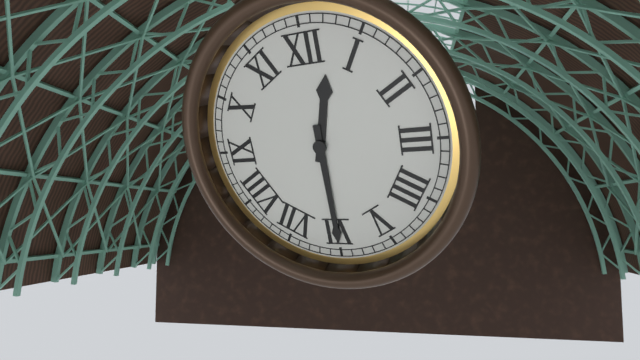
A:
12 h 30 min
